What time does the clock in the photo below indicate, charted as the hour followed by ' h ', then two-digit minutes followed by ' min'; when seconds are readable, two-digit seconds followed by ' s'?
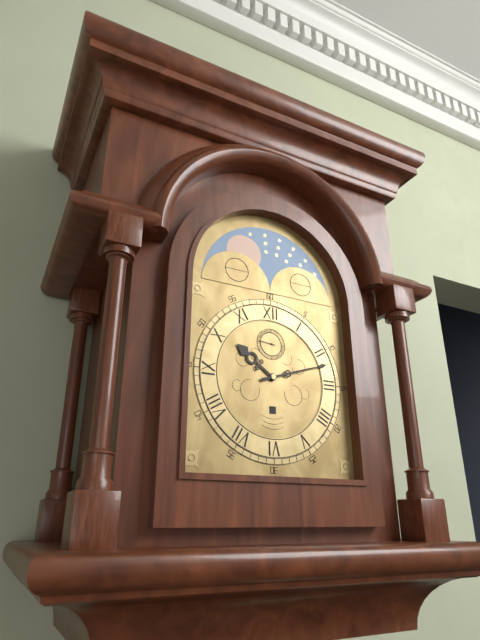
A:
10 h 12 min
